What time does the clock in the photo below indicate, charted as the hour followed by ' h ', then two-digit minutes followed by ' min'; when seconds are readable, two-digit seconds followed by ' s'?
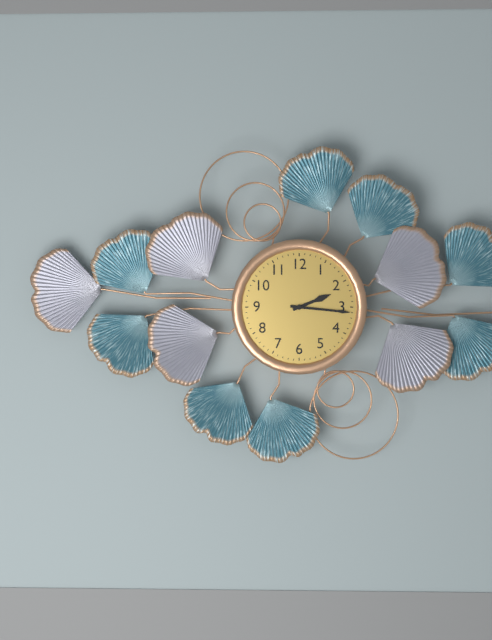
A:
2 h 16 min
